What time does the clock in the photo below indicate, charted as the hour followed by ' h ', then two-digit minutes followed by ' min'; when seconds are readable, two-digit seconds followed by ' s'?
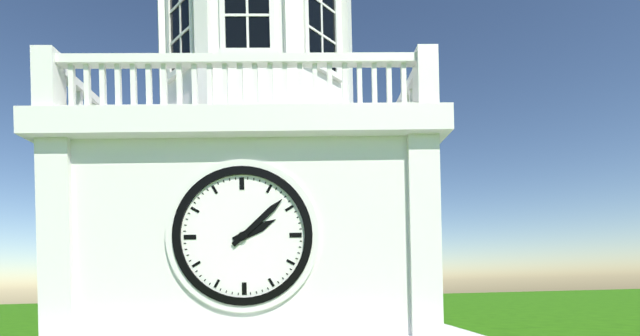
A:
2 h 08 min
